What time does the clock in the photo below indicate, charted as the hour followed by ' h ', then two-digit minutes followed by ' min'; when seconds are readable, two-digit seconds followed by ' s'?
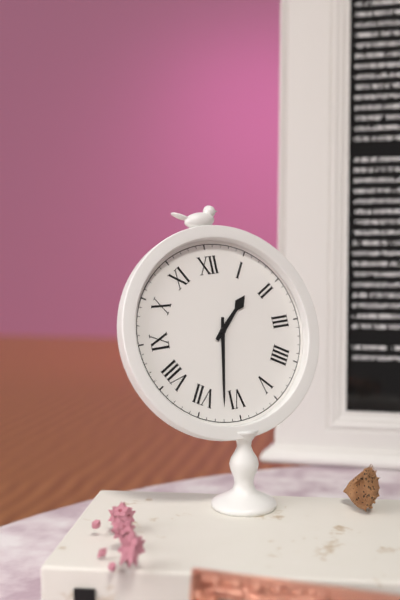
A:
1 h 32 min
